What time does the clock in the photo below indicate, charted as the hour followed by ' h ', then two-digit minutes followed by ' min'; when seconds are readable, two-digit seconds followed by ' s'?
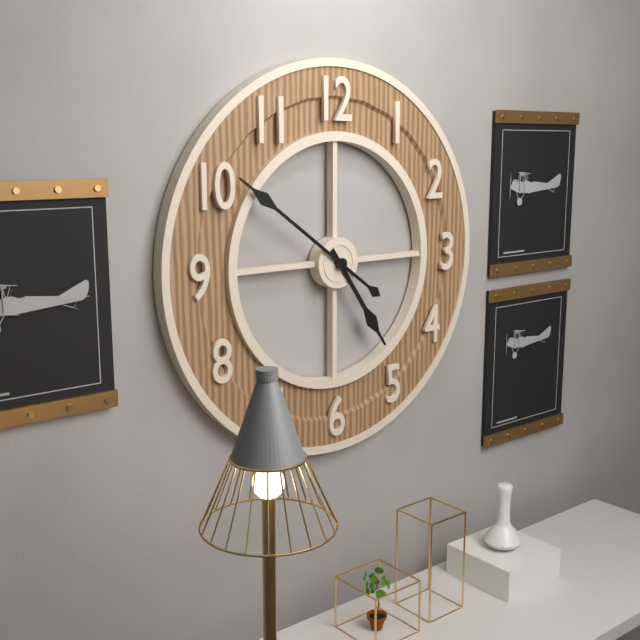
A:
4 h 51 min
